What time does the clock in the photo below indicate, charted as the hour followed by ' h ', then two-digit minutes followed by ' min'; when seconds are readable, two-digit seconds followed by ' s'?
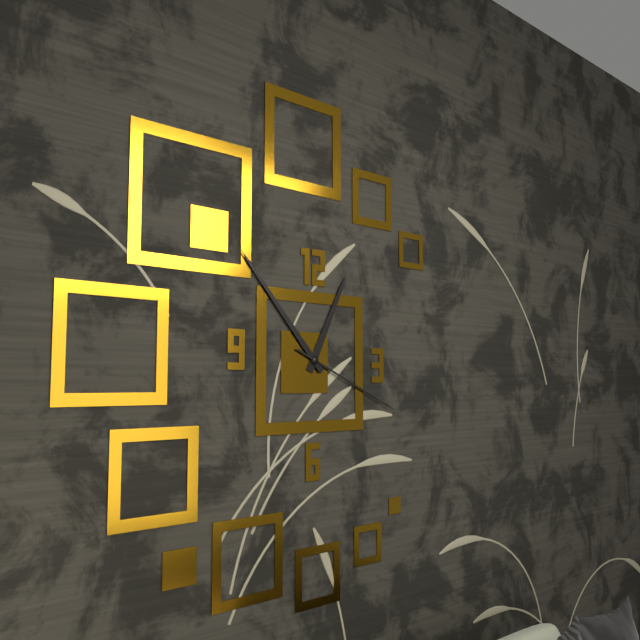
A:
12 h 53 min 19 s
